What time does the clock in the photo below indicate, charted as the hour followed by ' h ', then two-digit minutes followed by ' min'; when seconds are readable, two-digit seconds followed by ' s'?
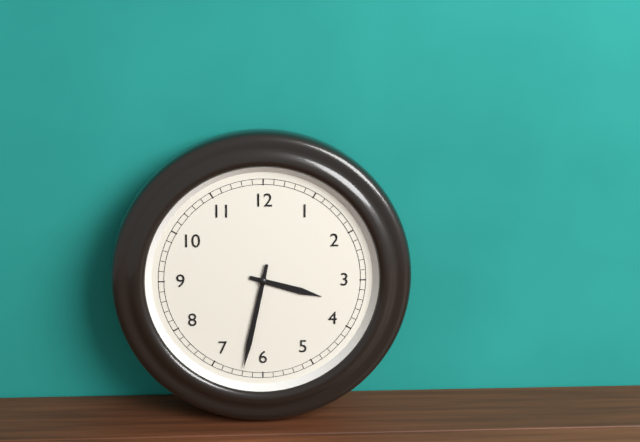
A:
3 h 32 min
